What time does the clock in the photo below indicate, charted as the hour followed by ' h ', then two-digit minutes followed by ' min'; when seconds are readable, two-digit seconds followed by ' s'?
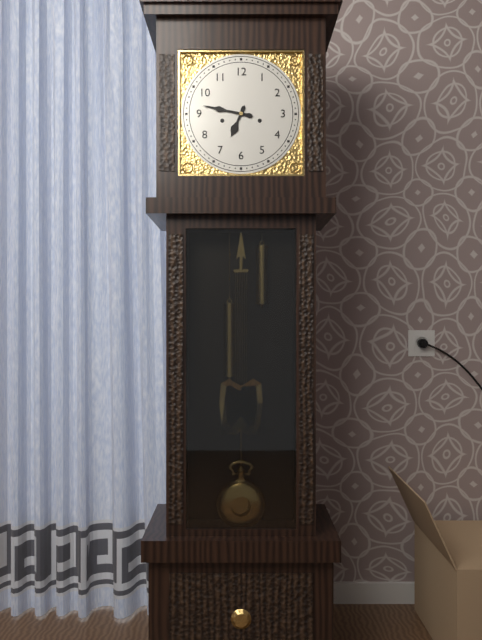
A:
6 h 47 min
